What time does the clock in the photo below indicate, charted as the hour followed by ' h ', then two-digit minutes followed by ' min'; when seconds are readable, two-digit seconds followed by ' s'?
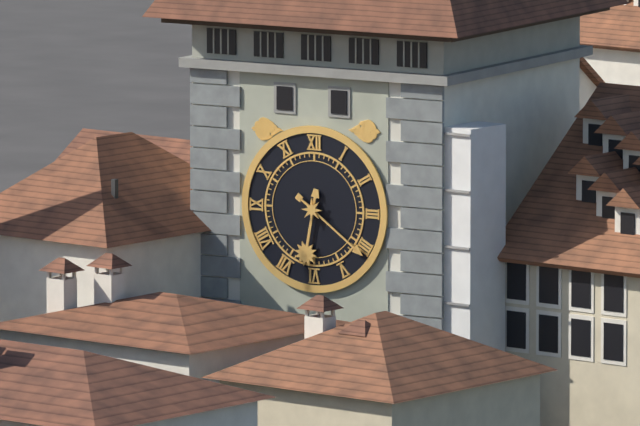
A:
6 h 21 min
